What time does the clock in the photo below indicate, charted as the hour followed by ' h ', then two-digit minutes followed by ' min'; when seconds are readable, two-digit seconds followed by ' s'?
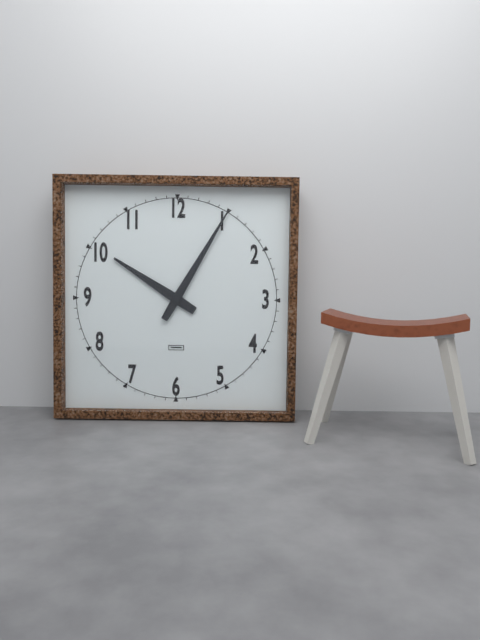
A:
10 h 05 min
